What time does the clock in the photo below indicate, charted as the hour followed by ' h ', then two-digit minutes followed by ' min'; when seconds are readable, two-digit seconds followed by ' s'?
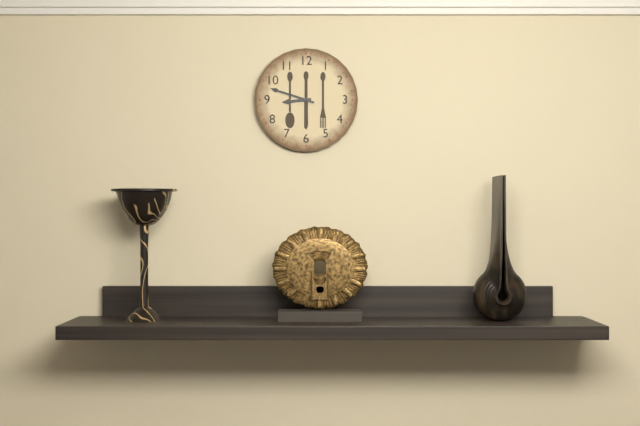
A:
8 h 48 min
